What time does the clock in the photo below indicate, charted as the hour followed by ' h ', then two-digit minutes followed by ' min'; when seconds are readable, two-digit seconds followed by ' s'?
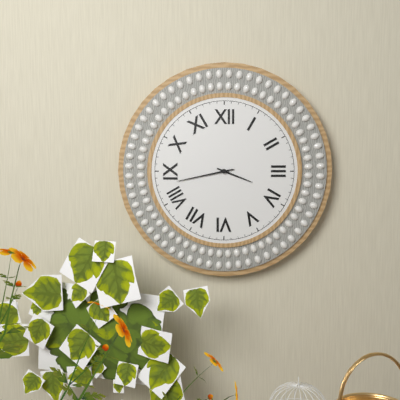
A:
3 h 43 min
